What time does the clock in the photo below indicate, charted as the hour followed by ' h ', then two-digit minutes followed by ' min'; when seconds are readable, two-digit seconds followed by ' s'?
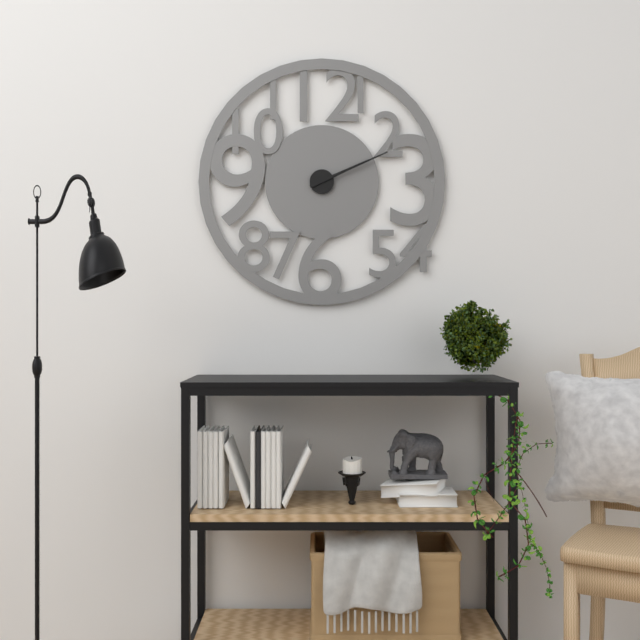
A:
2 h 11 min
